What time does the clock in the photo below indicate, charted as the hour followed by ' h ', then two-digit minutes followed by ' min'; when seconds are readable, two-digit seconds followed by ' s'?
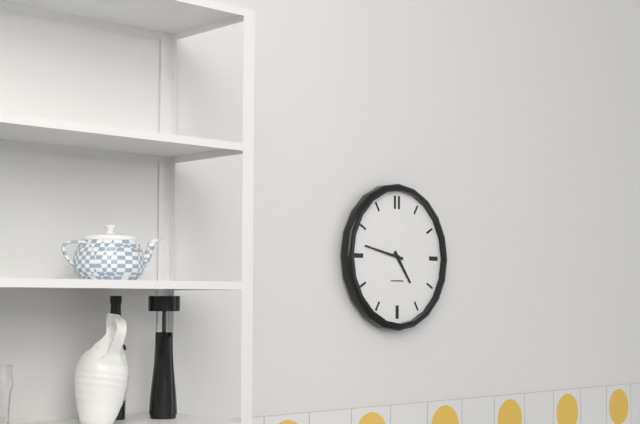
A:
4 h 47 min
